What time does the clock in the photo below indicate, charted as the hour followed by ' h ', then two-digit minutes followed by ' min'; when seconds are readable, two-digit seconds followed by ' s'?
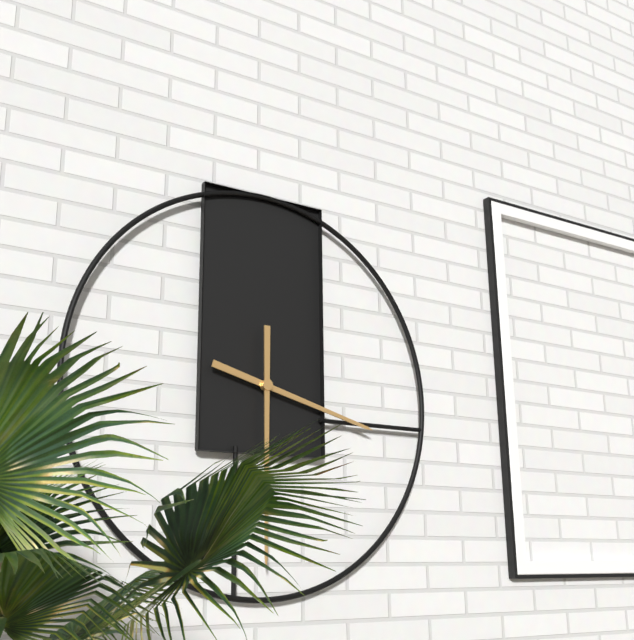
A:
3 h 30 min
